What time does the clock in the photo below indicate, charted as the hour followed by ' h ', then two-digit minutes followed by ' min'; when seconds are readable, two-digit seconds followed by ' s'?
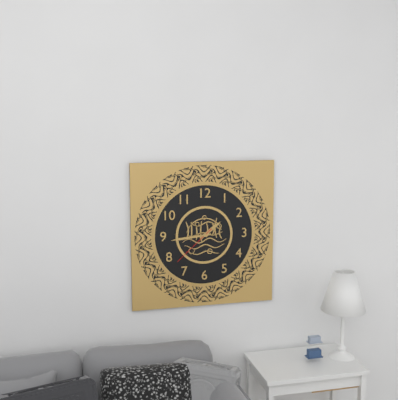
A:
1 h 44 min
